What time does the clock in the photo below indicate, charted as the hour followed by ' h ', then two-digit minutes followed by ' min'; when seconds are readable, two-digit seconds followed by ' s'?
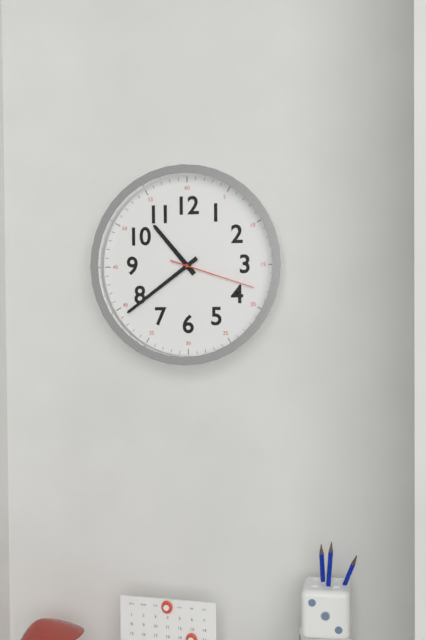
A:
10 h 39 min 18 s
